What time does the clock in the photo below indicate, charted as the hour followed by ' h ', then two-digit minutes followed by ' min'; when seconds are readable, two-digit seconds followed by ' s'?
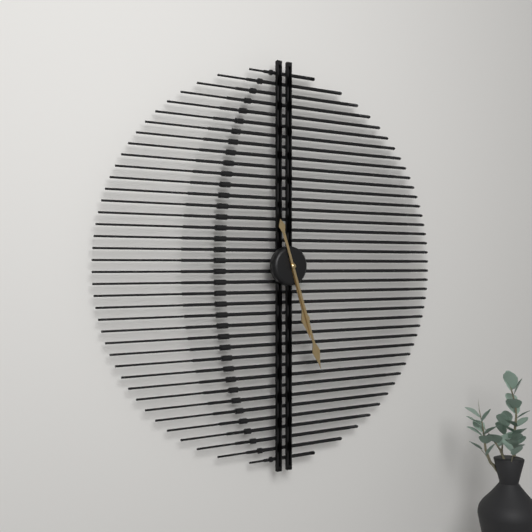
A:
5 h 27 min
